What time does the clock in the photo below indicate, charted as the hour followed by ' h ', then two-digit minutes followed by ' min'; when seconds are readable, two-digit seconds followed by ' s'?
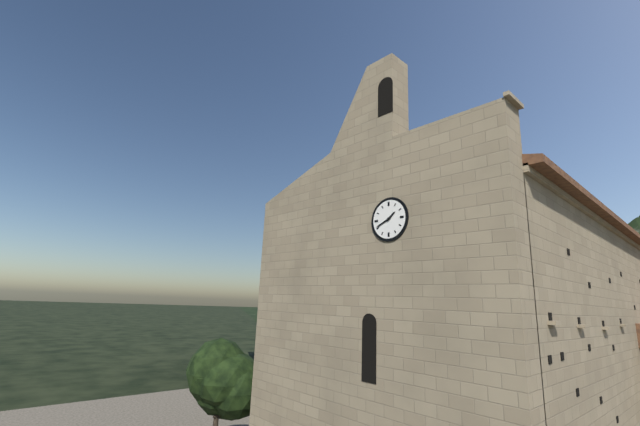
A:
1 h 41 min
